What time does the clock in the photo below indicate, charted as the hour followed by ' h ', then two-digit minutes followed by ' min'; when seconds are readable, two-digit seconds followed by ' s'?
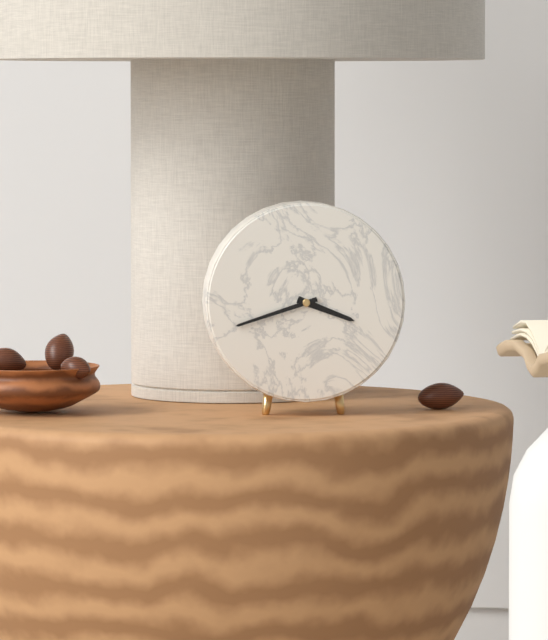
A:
3 h 42 min
